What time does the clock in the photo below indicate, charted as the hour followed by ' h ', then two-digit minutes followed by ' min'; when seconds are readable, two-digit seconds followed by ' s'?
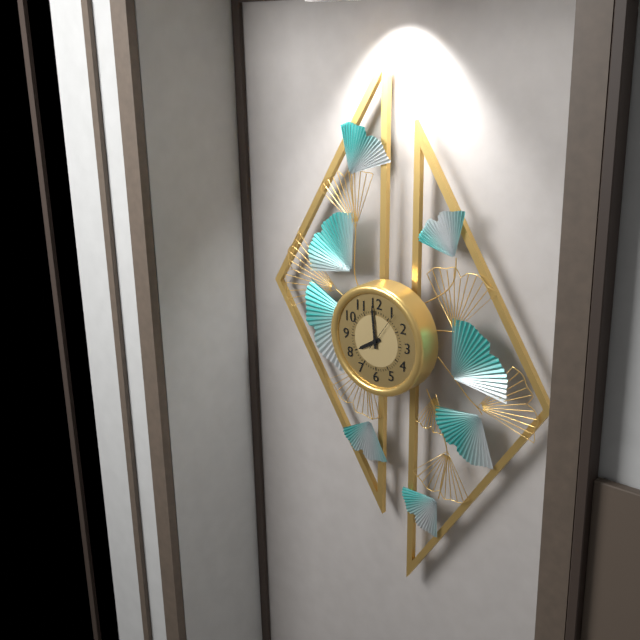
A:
7 h 59 min
